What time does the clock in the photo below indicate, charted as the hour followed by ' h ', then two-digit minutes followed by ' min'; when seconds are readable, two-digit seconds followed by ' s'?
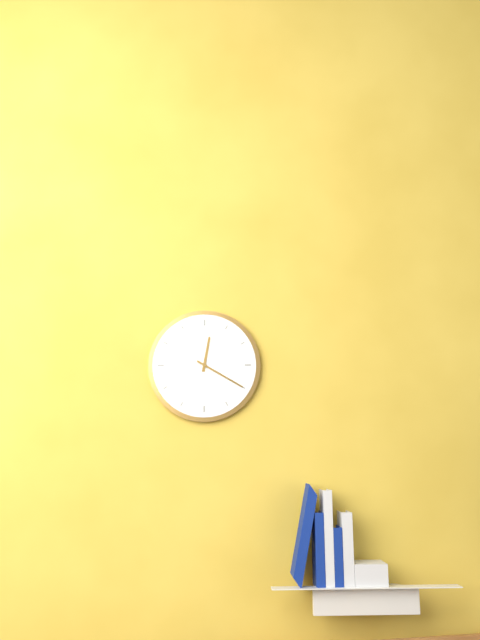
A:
12 h 20 min
